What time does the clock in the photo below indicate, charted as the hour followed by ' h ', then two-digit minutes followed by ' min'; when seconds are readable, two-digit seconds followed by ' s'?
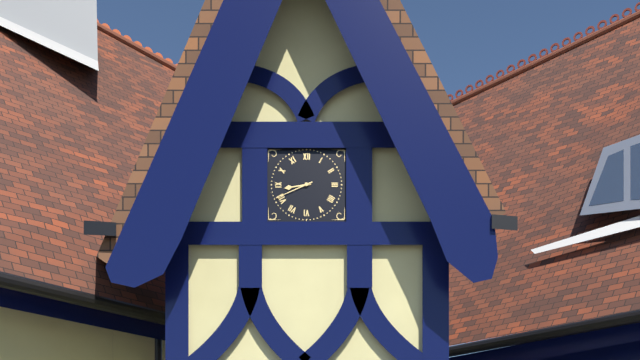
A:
8 h 41 min
